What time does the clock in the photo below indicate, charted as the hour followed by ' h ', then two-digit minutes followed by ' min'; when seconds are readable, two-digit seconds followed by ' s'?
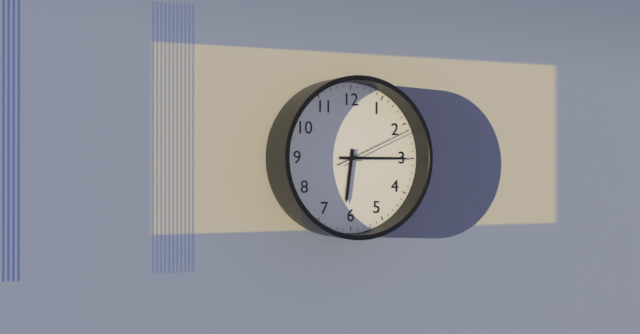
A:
6 h 15 min 11 s
